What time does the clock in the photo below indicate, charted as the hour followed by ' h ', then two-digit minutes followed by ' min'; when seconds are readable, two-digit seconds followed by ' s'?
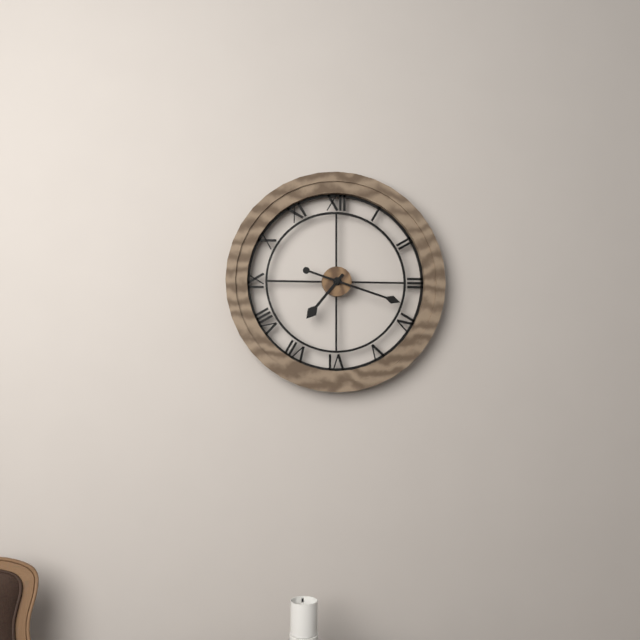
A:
7 h 18 min
